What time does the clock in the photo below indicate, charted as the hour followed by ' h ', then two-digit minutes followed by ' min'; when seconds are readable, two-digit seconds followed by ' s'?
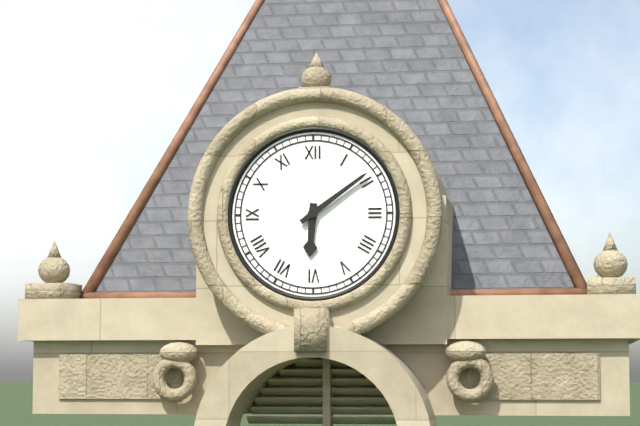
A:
6 h 09 min
